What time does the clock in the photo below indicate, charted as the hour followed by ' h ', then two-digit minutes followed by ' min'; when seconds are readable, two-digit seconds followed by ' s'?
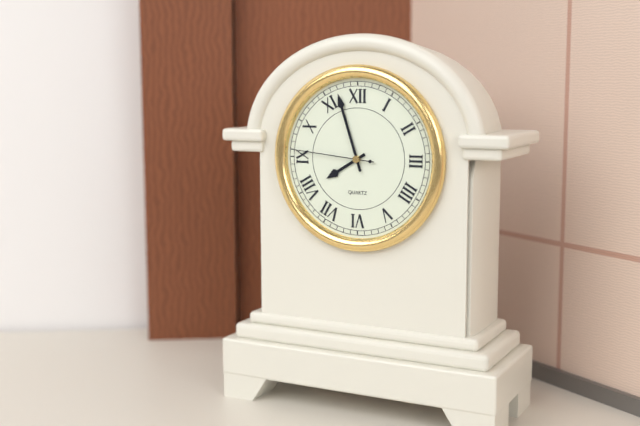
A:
7 h 57 min 46 s
